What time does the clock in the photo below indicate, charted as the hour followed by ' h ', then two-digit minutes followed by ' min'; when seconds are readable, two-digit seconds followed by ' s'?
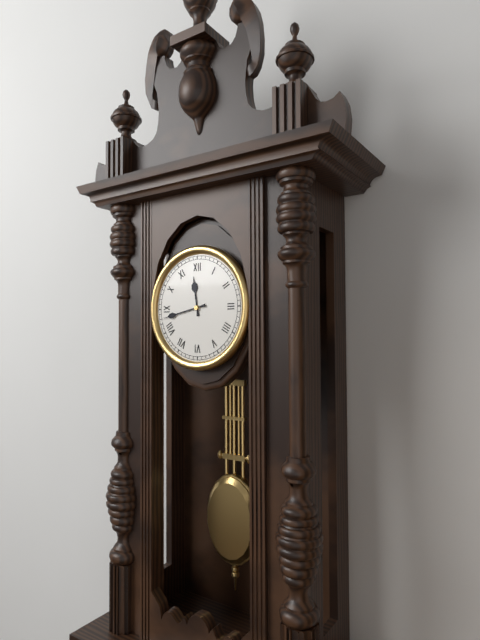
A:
11 h 43 min
